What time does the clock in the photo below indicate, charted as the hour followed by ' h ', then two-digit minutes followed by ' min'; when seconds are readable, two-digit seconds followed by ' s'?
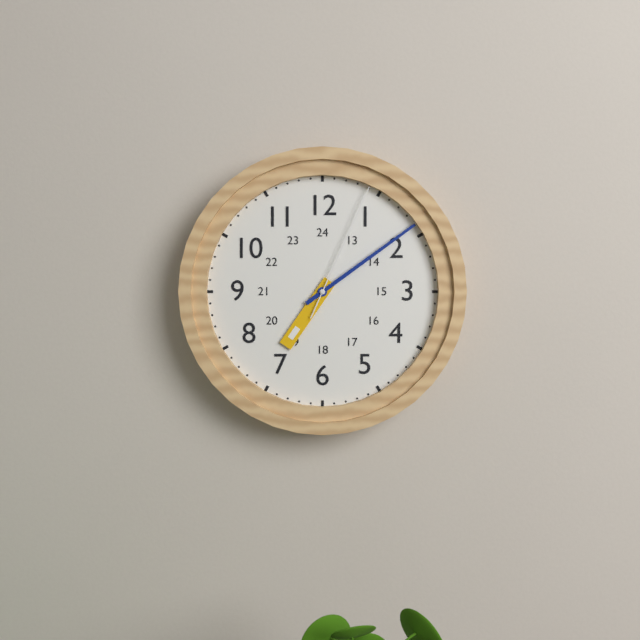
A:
7 h 09 min 04 s
